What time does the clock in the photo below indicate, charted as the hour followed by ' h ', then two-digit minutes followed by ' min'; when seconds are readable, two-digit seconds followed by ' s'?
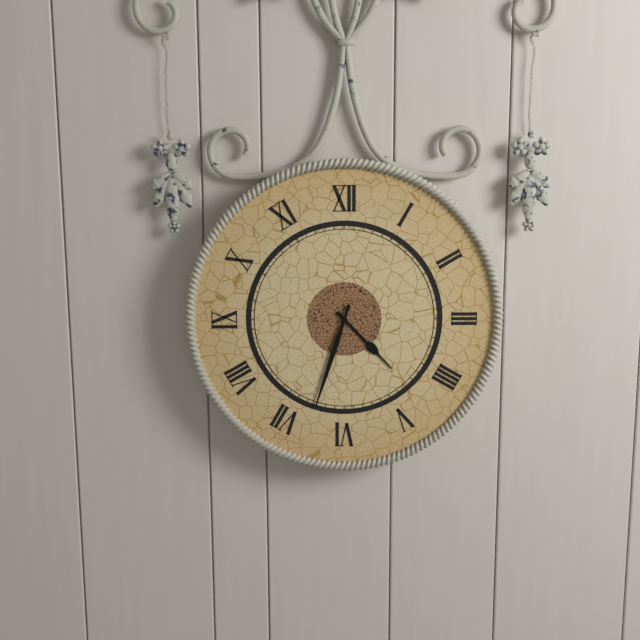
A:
4 h 33 min
